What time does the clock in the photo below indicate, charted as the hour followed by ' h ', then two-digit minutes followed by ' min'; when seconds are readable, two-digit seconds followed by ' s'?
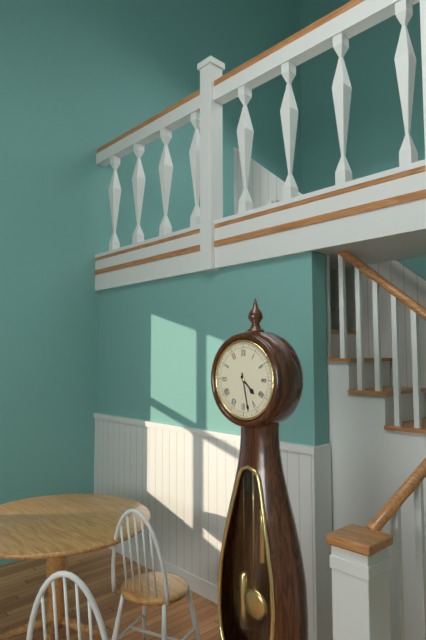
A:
4 h 28 min
